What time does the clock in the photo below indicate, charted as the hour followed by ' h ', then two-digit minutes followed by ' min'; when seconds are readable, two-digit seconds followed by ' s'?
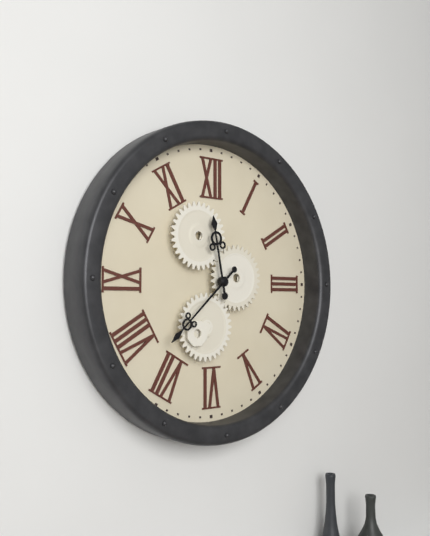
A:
11 h 38 min
